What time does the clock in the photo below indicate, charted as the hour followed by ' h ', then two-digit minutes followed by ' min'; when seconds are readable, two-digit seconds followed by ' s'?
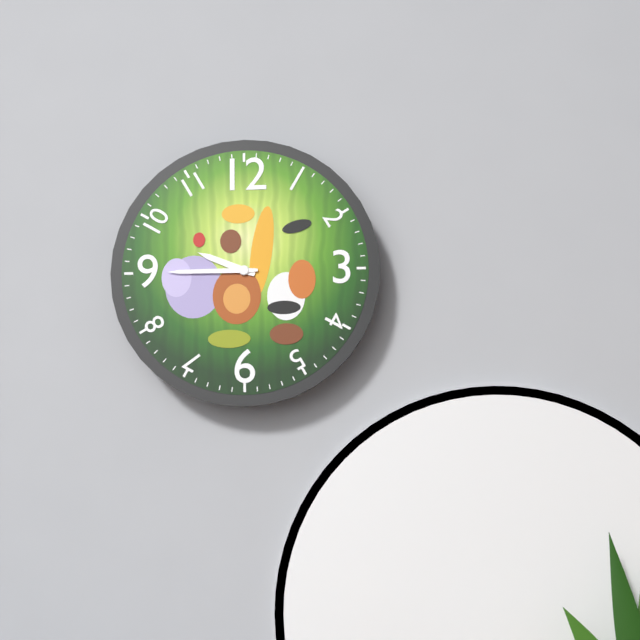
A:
9 h 45 min
